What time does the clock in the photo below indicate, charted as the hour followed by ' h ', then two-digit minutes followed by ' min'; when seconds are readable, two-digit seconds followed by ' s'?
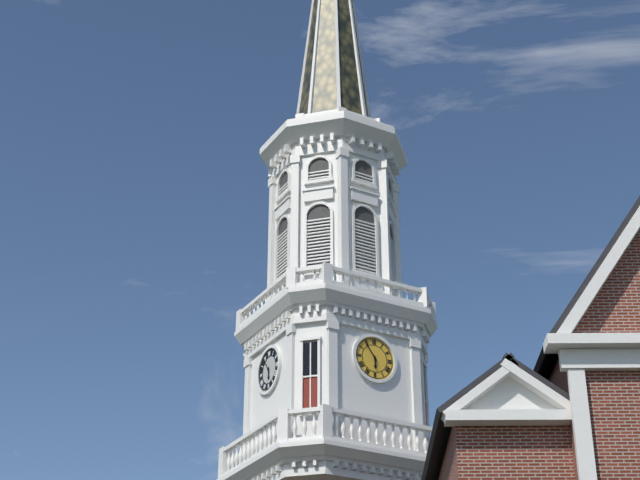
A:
5 h 54 min
